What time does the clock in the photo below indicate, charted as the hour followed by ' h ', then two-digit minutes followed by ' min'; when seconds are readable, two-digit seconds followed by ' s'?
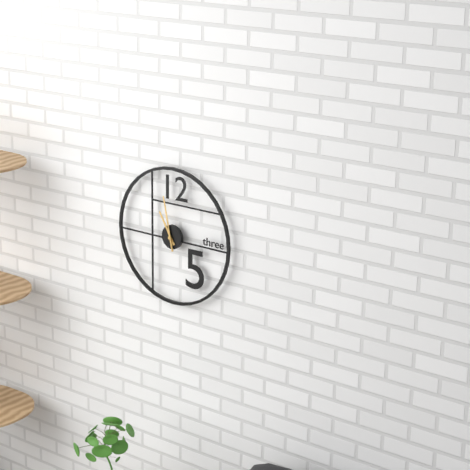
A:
10 h 58 min
